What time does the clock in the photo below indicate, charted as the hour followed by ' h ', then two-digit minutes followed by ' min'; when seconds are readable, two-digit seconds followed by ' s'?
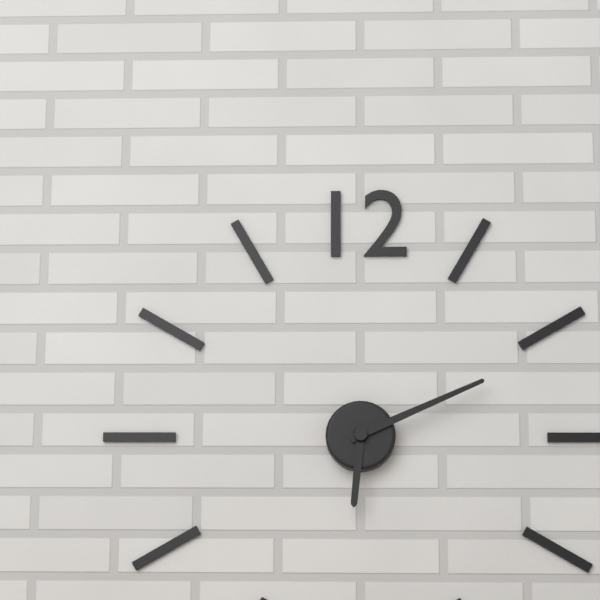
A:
6 h 11 min
